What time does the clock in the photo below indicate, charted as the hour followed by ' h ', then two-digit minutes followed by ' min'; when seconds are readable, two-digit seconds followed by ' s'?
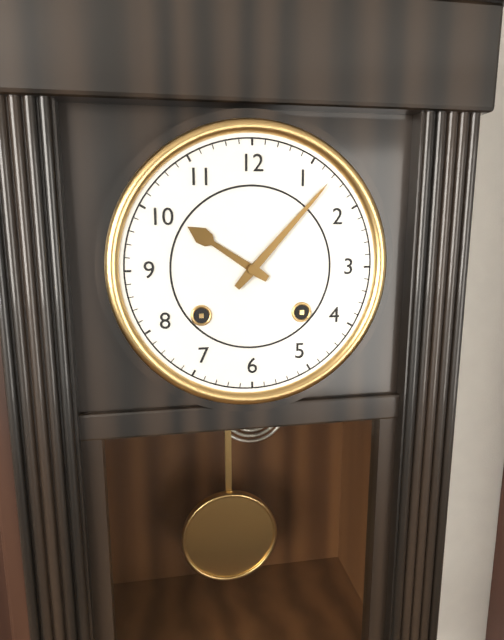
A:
10 h 07 min
